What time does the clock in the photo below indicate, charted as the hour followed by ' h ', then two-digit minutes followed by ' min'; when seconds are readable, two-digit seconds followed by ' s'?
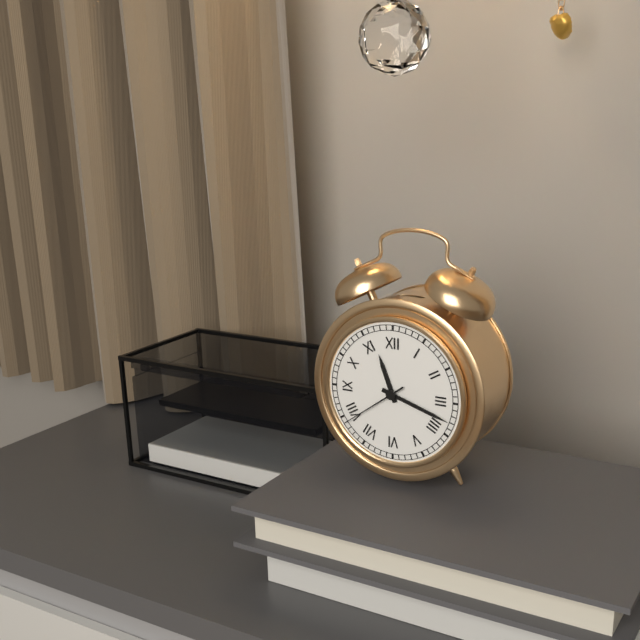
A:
11 h 18 min 39 s
